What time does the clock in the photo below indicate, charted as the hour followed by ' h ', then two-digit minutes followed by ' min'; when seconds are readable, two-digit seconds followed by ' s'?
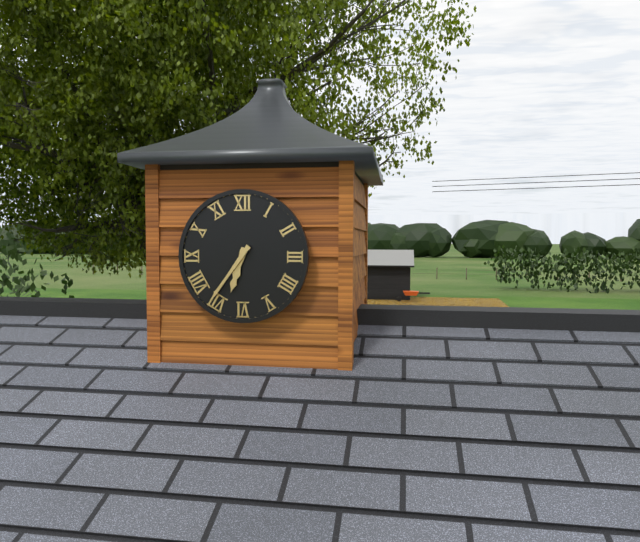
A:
6 h 36 min
